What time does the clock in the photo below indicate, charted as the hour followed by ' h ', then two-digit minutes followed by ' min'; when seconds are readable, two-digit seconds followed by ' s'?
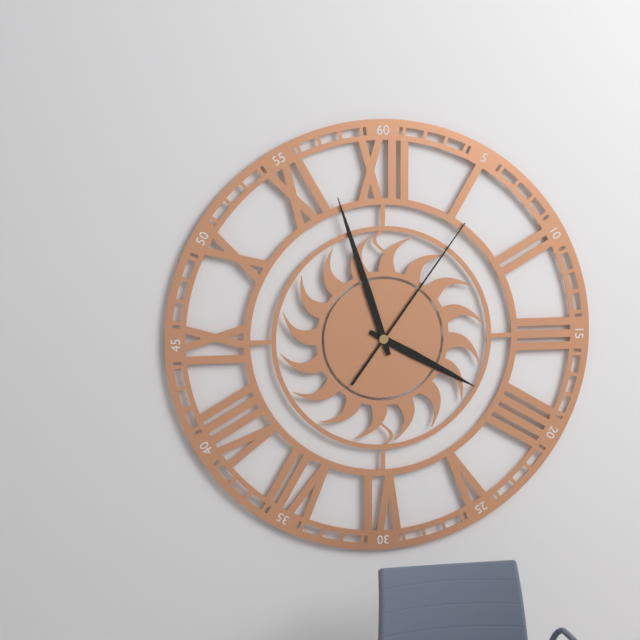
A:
3 h 57 min 06 s
